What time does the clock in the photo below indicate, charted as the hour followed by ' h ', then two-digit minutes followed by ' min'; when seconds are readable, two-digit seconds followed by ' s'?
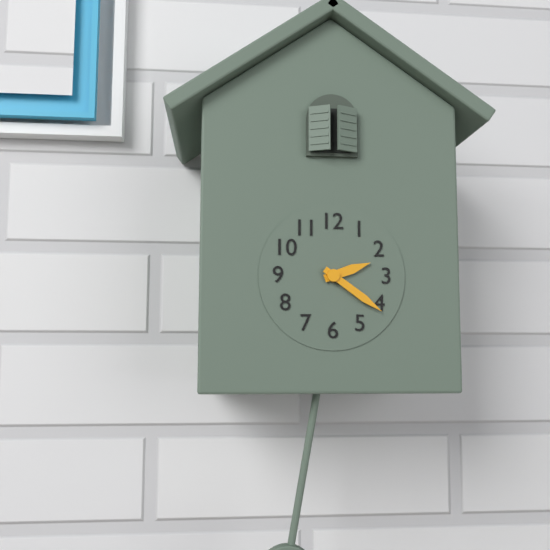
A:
2 h 21 min
